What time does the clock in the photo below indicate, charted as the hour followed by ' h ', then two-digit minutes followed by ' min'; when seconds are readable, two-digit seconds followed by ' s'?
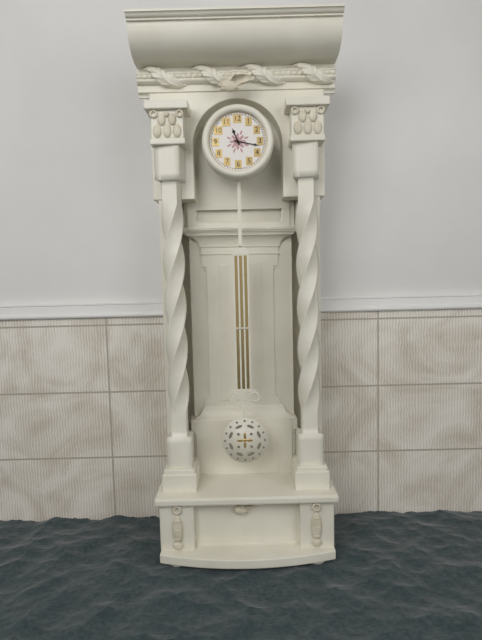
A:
11 h 17 min
